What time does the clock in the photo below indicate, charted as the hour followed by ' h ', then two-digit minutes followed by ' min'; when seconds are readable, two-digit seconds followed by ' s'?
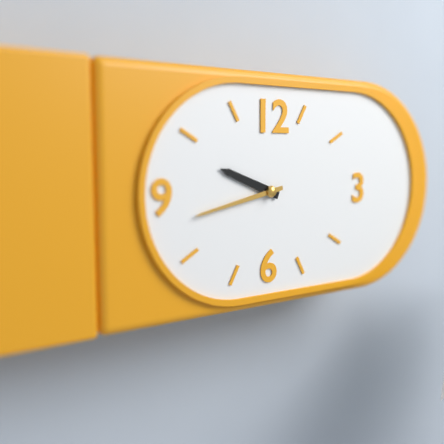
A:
9 h 43 min
